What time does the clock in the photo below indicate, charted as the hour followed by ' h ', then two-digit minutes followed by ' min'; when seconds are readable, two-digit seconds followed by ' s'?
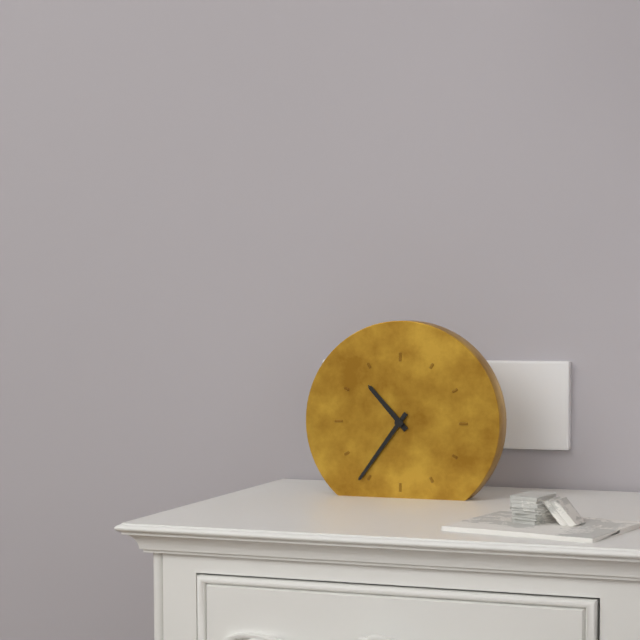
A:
10 h 36 min
